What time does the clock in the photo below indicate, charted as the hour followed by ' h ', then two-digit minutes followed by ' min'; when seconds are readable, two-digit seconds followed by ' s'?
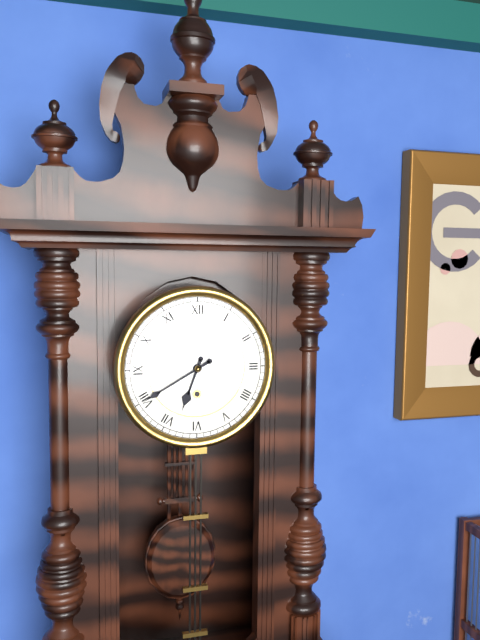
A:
6 h 40 min
